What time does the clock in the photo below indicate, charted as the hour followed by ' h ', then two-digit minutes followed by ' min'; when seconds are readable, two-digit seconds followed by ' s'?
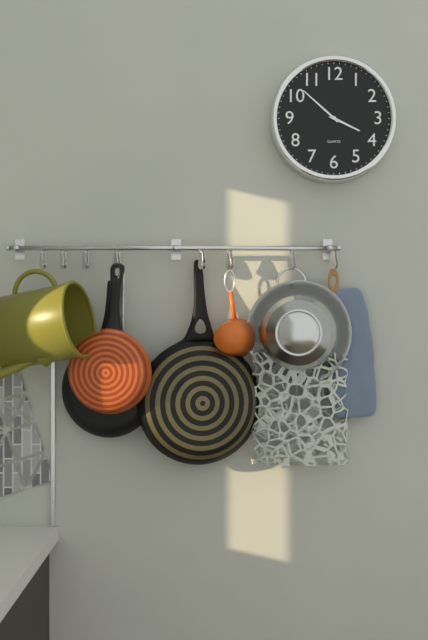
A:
3 h 52 min
